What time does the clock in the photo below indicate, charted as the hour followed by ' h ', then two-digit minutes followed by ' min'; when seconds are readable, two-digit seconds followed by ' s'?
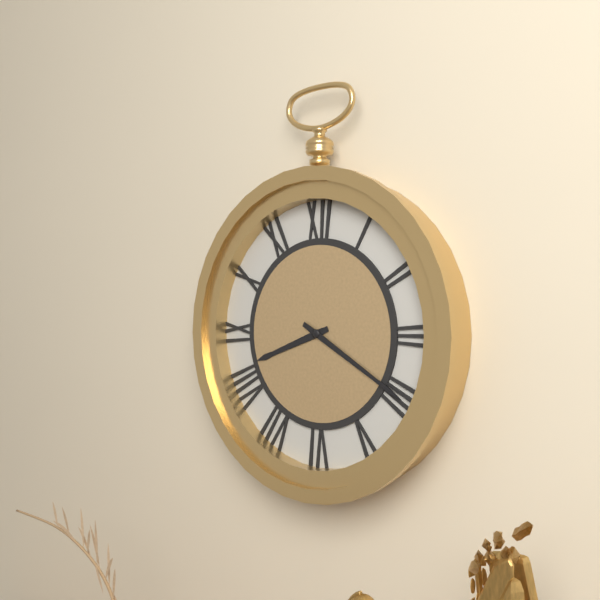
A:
8 h 20 min
